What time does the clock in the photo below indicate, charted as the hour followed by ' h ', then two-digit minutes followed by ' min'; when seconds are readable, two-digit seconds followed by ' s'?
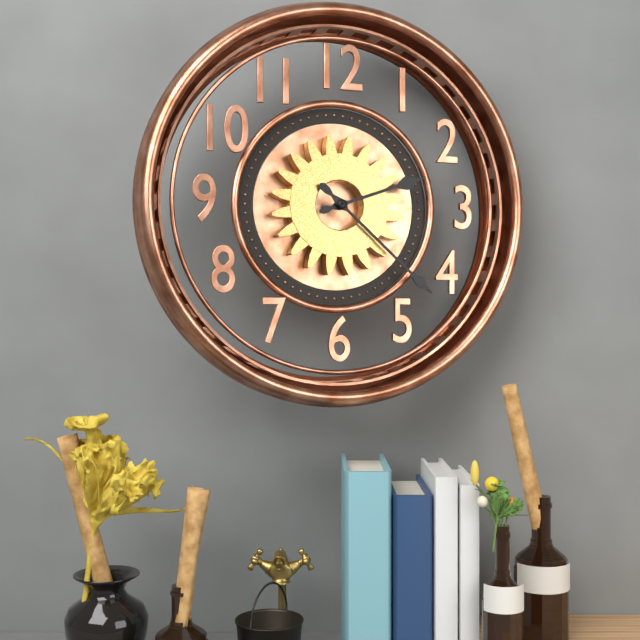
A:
2 h 22 min
